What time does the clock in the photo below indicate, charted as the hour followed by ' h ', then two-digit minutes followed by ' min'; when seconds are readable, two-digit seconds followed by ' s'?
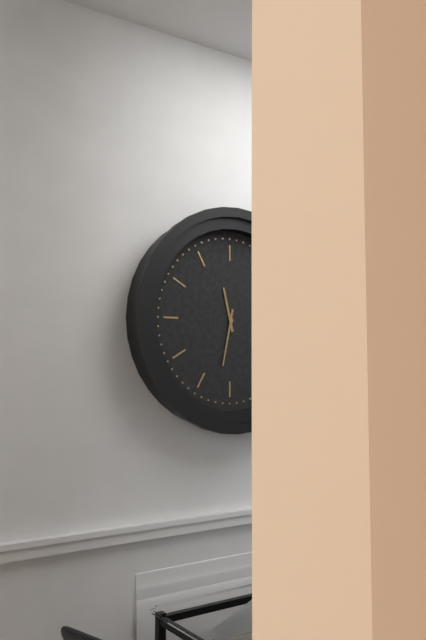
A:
11 h 32 min
